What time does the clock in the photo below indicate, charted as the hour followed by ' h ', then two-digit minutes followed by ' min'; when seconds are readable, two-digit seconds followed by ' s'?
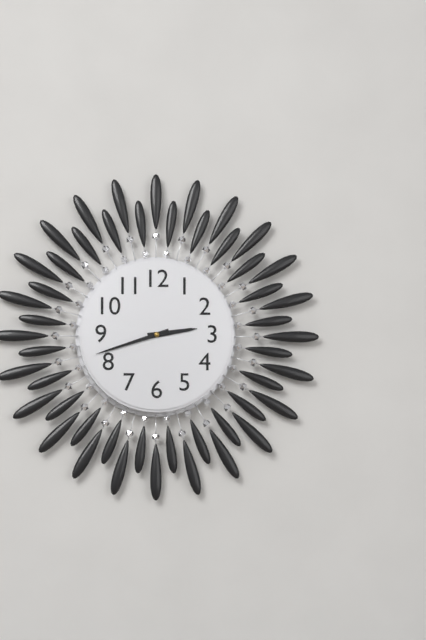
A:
2 h 42 min
